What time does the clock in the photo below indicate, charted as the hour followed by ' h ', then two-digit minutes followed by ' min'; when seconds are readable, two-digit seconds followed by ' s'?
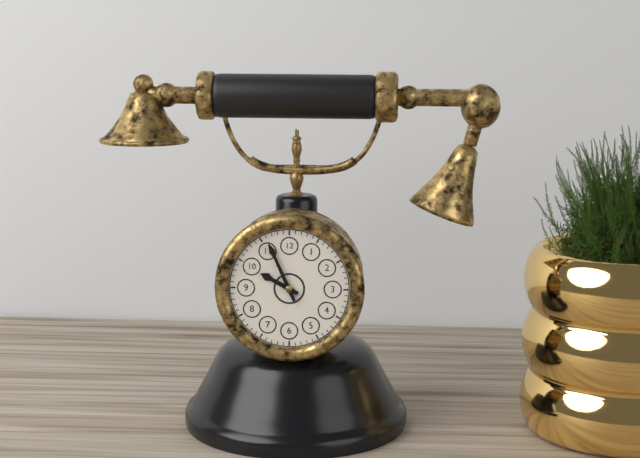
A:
9 h 56 min
